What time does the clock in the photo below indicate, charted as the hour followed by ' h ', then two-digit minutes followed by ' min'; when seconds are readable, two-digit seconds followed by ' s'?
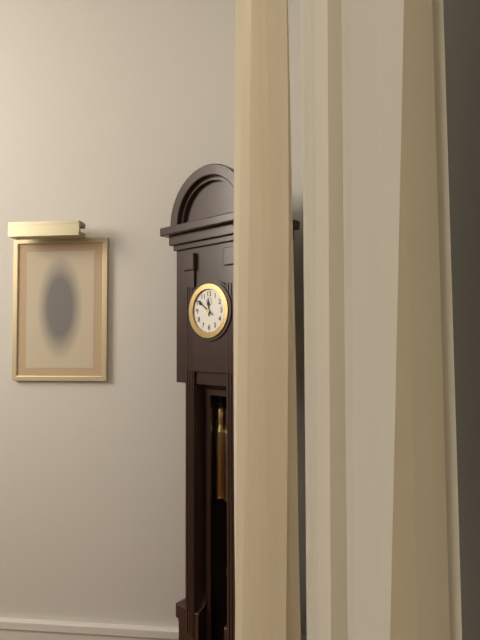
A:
11 h 51 min
